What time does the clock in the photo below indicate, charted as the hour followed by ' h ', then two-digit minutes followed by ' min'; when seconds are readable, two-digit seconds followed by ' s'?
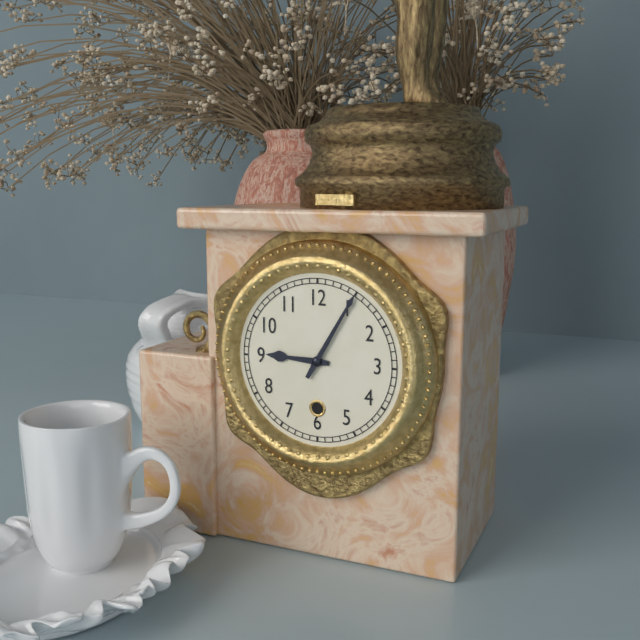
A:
9 h 05 min
